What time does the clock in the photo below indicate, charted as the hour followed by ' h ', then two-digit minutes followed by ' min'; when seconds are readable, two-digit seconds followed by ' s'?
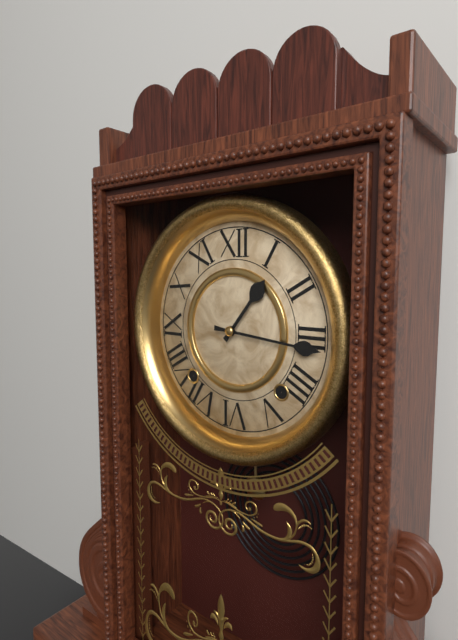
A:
1 h 16 min
